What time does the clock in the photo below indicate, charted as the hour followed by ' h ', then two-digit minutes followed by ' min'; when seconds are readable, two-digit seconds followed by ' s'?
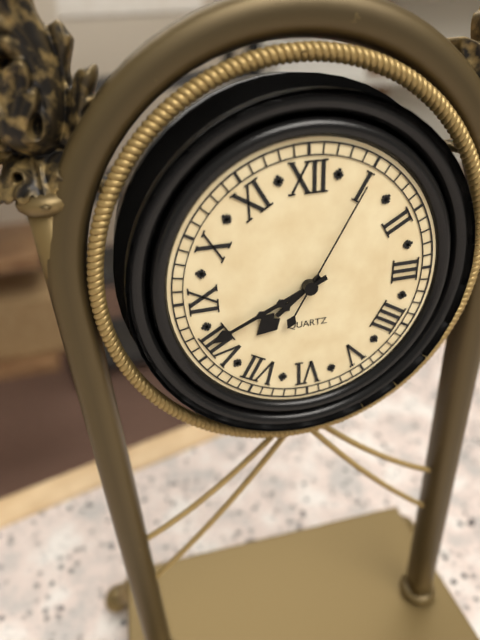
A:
7 h 41 min 05 s
